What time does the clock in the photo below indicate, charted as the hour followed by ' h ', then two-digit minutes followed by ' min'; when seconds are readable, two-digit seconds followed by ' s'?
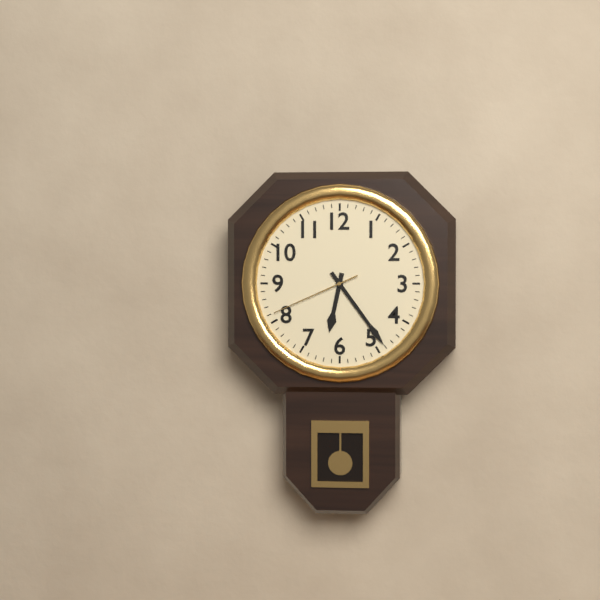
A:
6 h 24 min 41 s
